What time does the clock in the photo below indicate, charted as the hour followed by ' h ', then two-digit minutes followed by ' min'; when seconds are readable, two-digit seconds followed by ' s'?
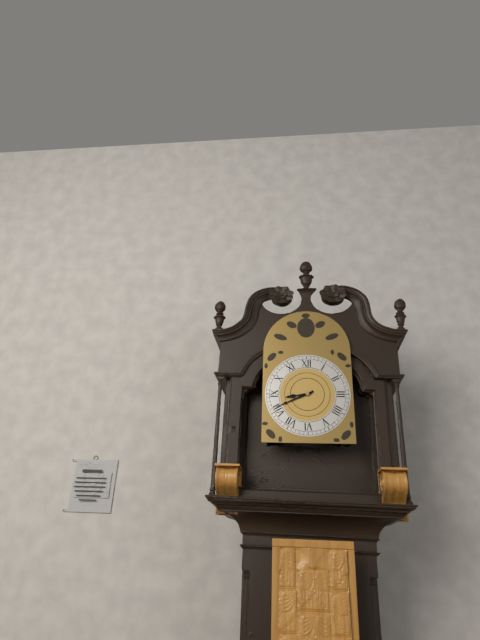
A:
8 h 41 min
